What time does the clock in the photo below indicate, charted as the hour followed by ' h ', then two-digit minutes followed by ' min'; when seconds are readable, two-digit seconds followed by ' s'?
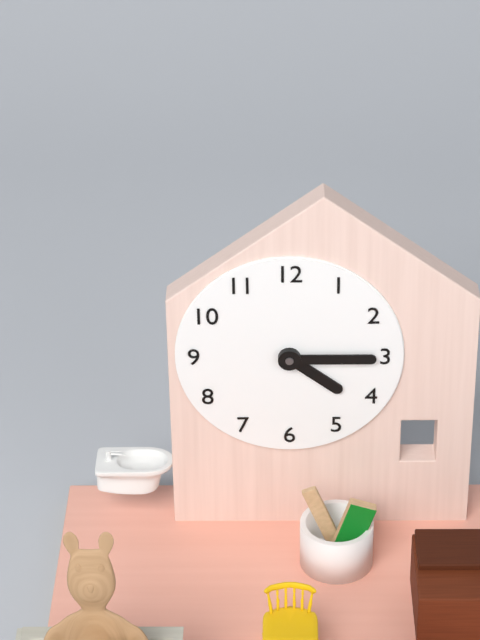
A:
4 h 15 min
